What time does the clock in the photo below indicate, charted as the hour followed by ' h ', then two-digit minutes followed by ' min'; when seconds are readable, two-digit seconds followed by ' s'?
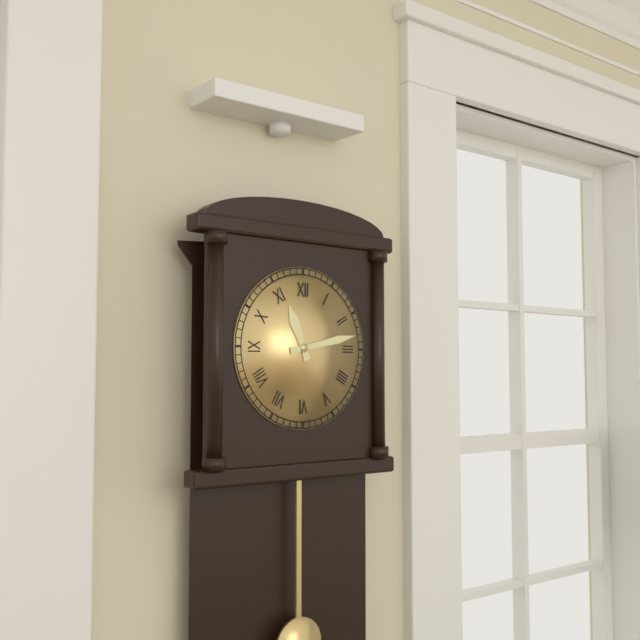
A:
11 h 13 min
